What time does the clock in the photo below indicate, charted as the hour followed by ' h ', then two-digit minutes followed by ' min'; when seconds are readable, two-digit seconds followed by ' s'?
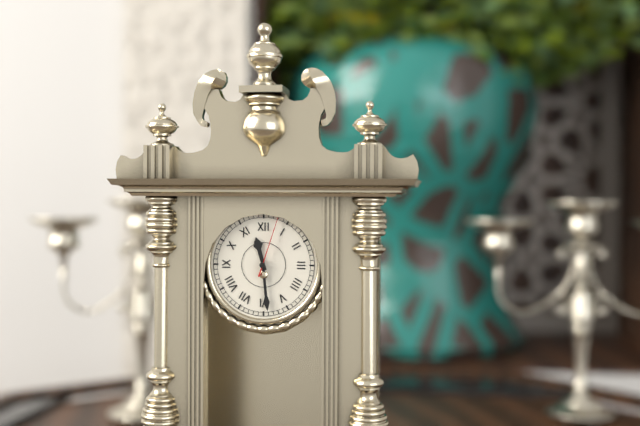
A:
11 h 29 min 03 s
